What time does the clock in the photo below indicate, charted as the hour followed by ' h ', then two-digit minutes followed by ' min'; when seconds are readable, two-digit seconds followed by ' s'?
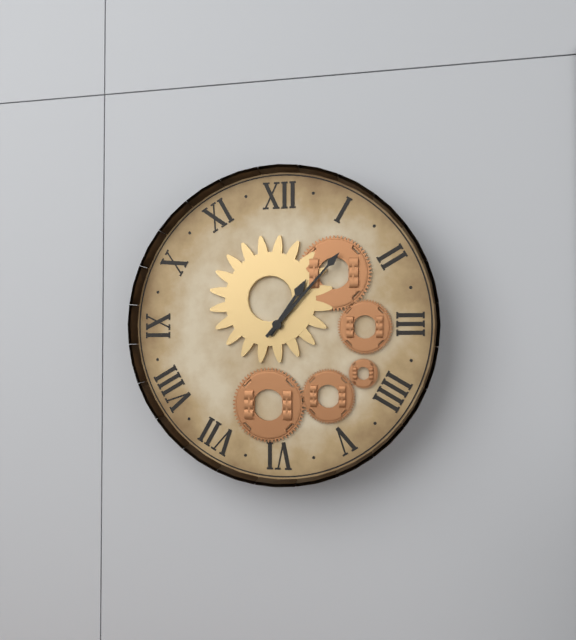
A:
1 h 07 min
